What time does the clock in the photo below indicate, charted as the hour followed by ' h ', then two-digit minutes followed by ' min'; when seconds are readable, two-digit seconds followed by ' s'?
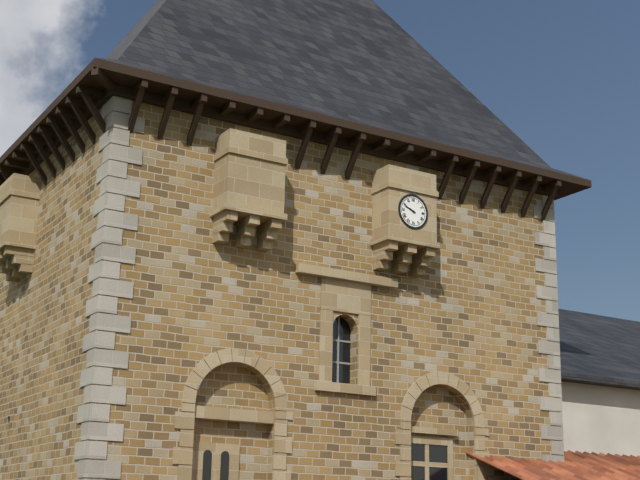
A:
9 h 49 min
